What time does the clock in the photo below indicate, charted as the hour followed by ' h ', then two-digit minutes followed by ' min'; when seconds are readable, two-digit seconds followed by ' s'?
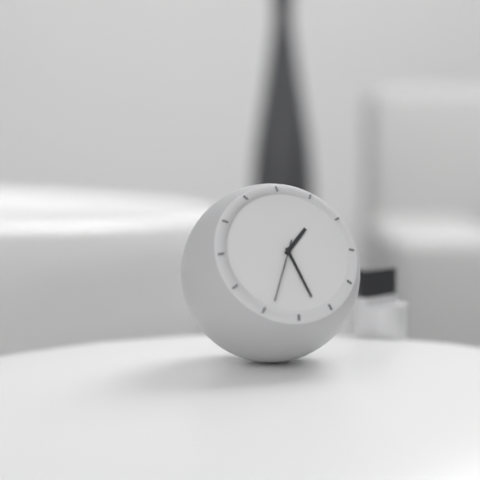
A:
1 h 27 min 34 s
